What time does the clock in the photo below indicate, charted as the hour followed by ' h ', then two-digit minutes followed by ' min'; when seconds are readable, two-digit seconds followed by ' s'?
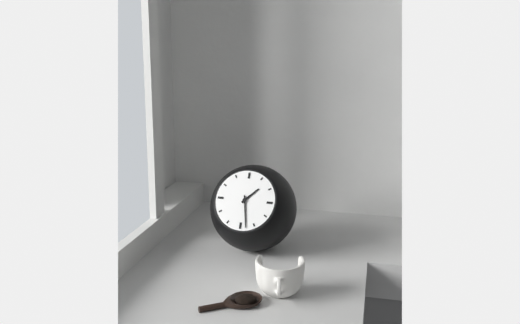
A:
1 h 28 min
